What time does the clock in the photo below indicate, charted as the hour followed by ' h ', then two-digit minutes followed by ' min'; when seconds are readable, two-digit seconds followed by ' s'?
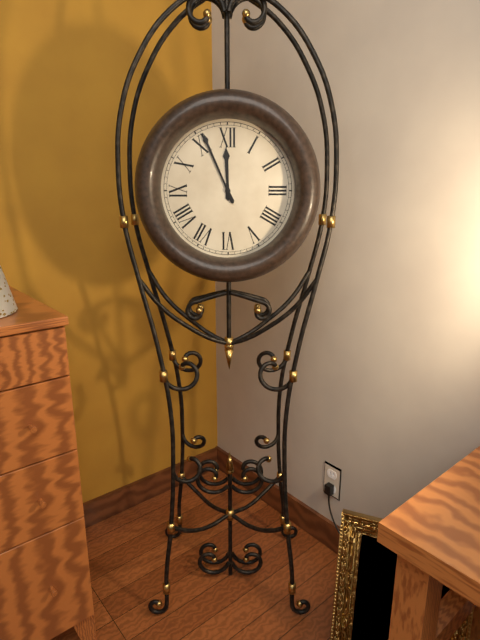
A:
11 h 56 min
